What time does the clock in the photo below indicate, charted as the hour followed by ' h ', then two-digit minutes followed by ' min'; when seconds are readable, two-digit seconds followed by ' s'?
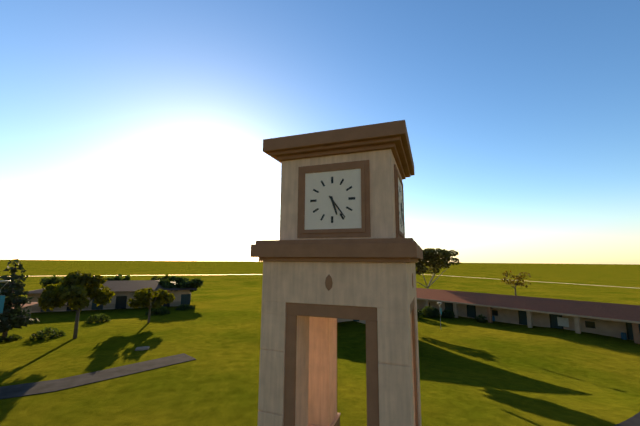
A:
5 h 24 min
